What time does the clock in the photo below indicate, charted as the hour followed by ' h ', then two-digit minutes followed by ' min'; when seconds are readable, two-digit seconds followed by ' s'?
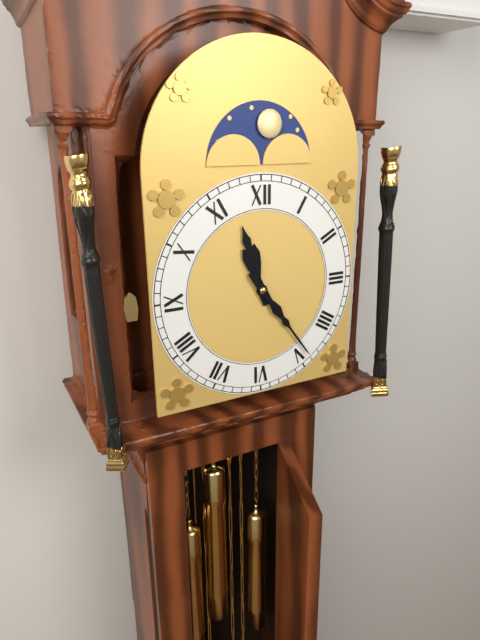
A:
11 h 24 min
